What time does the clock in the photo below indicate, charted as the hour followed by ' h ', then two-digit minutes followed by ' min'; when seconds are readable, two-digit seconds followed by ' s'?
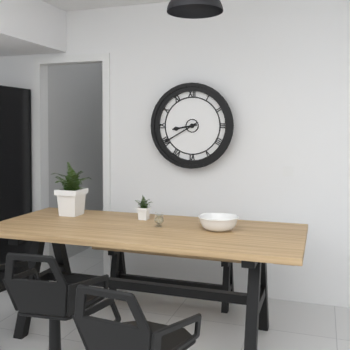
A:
8 h 40 min
